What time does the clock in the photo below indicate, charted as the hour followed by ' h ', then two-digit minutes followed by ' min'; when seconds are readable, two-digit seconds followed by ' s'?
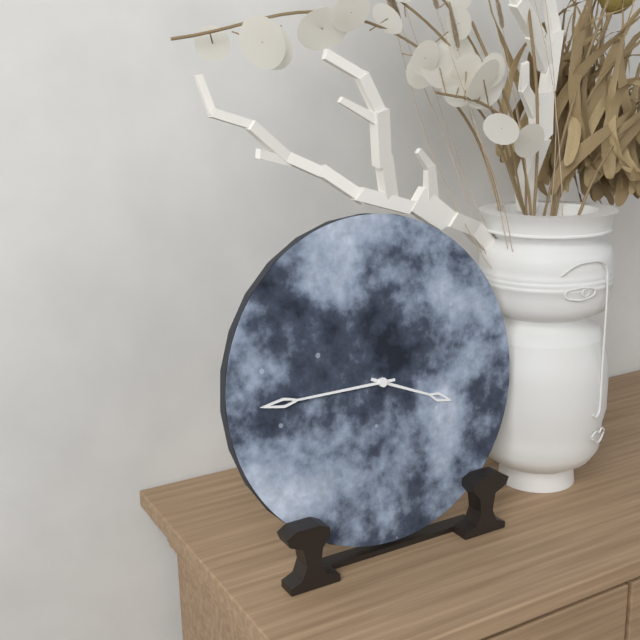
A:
3 h 45 min
